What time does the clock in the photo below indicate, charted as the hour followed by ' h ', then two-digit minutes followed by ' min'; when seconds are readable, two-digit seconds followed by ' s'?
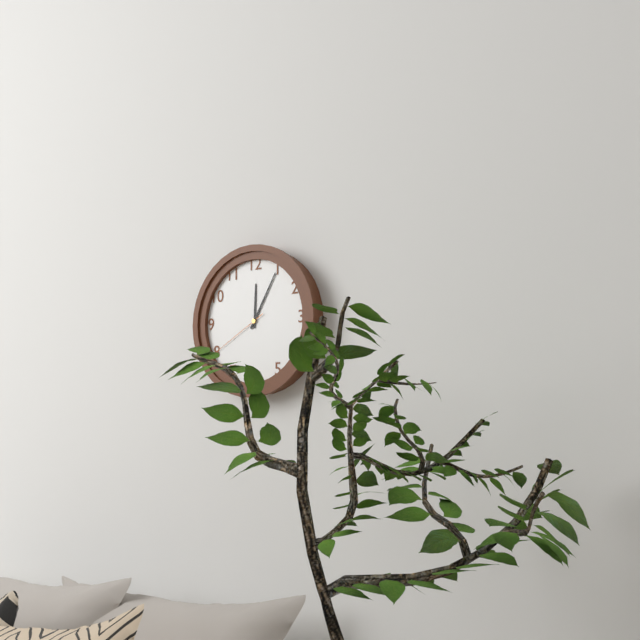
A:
12 h 05 min 40 s
